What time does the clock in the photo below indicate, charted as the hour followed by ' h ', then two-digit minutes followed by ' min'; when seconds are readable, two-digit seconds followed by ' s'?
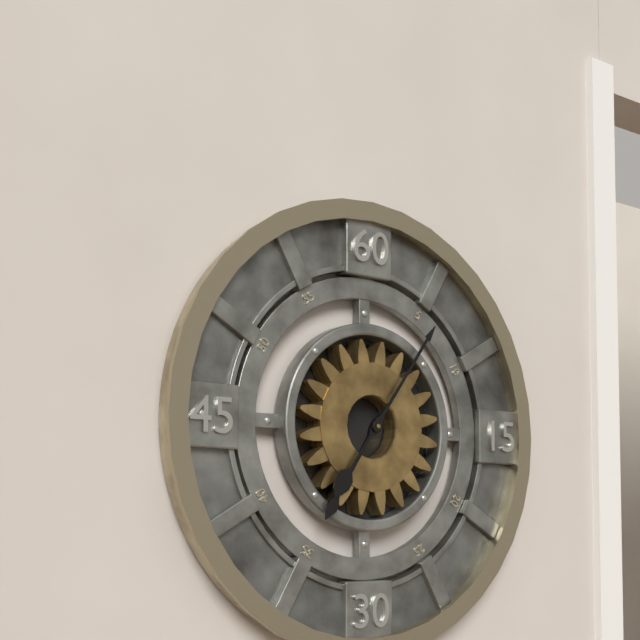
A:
7 h 06 min
